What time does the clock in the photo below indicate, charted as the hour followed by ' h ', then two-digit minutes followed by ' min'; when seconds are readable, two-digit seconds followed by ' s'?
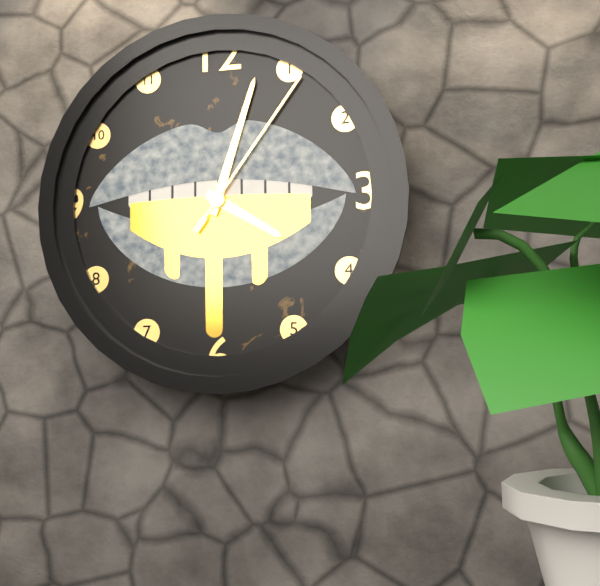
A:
4 h 03 min 06 s
